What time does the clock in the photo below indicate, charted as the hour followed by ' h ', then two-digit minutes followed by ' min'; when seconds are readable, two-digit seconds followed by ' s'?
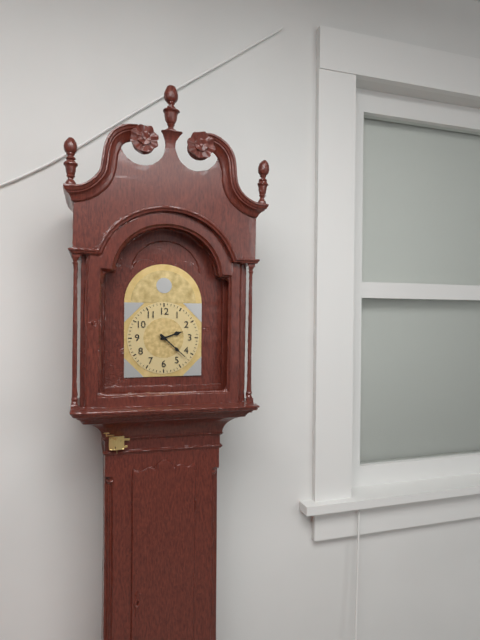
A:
2 h 22 min
